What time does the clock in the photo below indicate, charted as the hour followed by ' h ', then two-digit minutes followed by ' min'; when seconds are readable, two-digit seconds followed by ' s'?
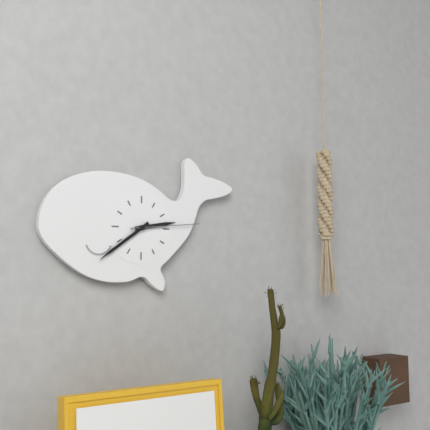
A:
2 h 39 min
